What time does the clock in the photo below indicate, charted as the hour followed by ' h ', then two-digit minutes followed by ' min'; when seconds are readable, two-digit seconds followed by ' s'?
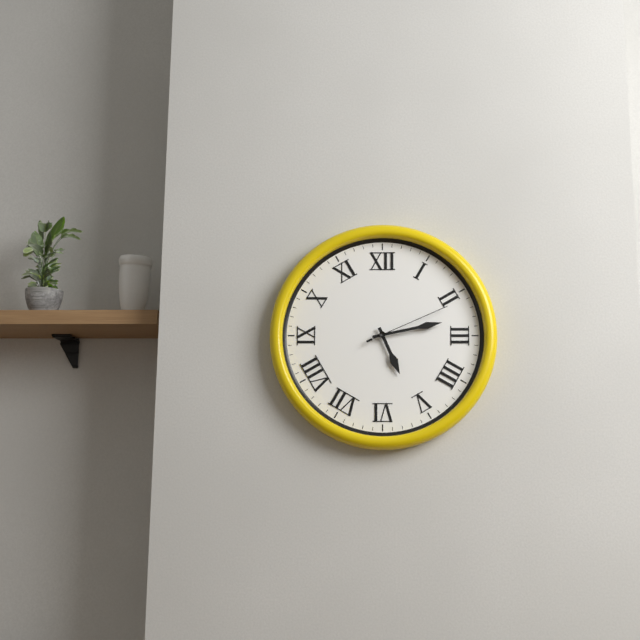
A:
5 h 13 min 11 s
